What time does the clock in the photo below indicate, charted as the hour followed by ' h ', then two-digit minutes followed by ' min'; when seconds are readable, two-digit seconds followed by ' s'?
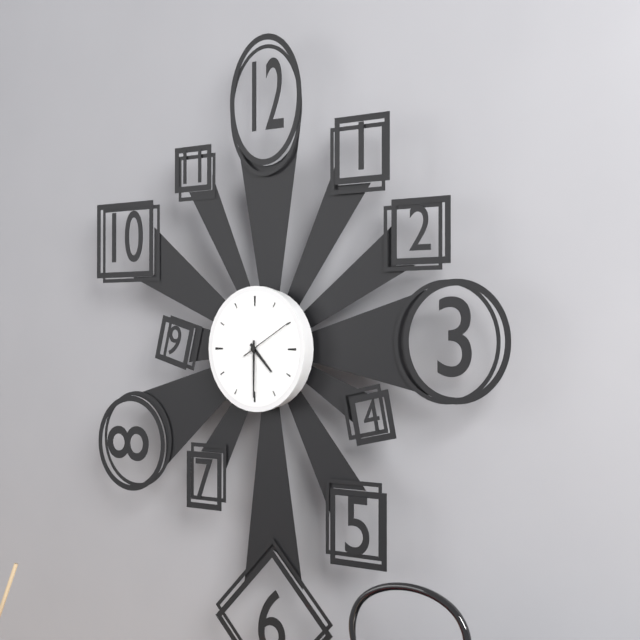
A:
4 h 30 min 10 s
